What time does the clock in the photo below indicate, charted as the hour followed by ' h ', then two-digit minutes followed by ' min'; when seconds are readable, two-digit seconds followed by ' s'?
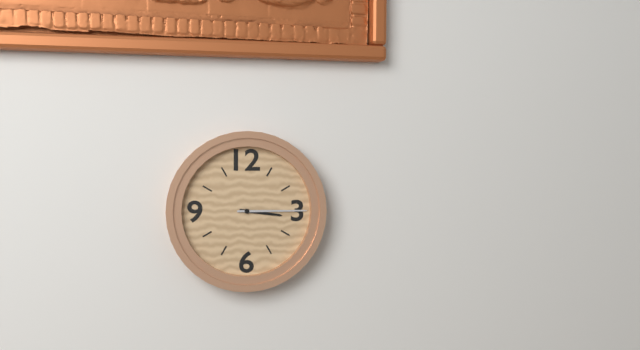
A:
3 h 15 min
